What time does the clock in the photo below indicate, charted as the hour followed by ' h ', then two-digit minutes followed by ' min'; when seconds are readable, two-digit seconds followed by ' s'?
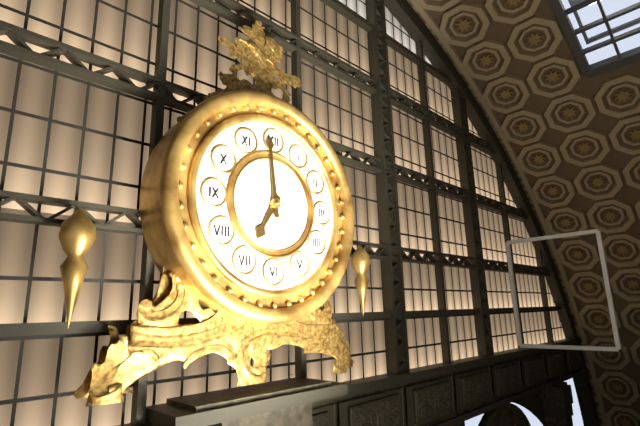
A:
6 h 59 min
